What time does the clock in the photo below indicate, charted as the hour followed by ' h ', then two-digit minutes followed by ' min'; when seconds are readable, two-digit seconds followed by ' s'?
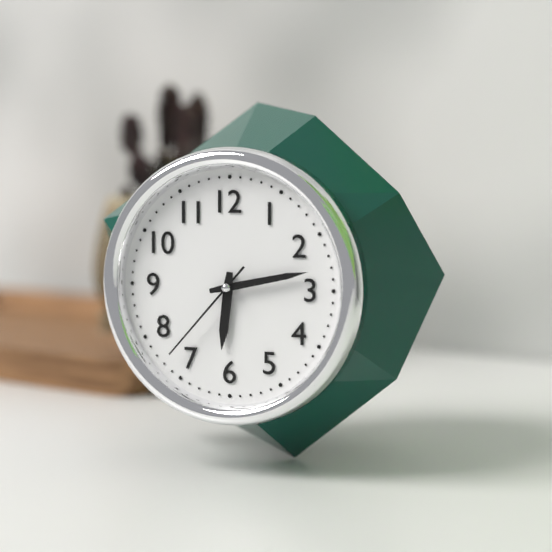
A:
6 h 13 min 37 s
